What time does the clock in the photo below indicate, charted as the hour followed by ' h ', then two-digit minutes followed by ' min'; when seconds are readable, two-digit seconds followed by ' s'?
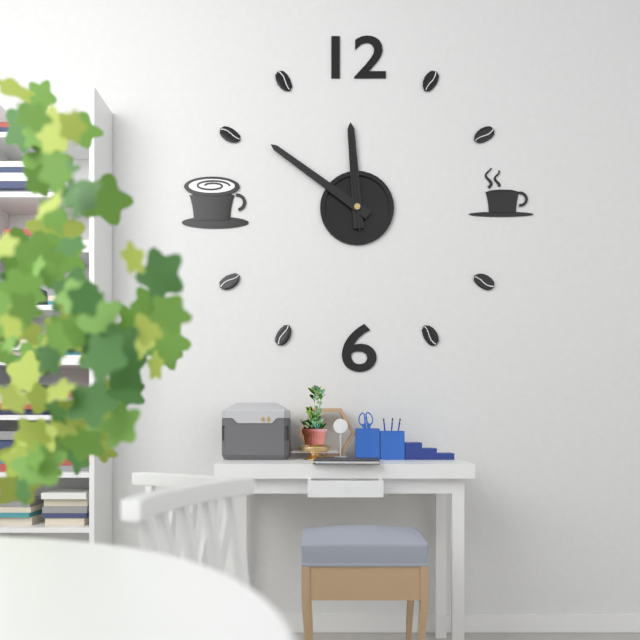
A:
11 h 51 min 59 s
